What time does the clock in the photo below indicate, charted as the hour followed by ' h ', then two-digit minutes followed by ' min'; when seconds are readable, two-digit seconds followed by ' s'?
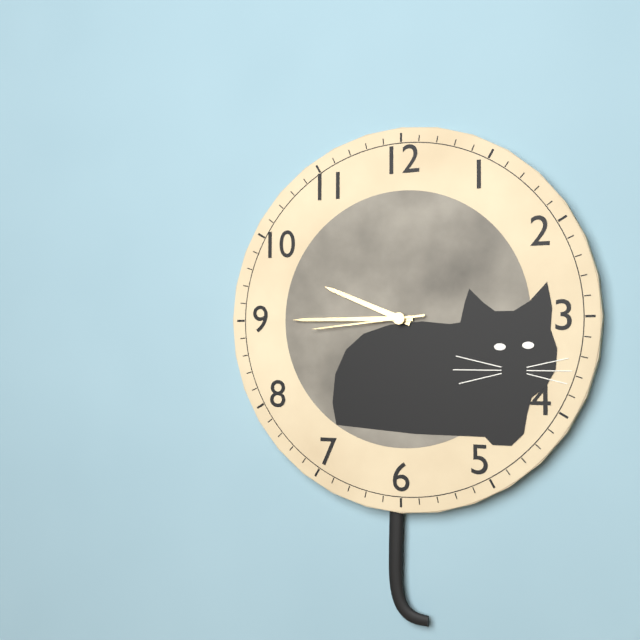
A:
9 h 45 min 44 s
